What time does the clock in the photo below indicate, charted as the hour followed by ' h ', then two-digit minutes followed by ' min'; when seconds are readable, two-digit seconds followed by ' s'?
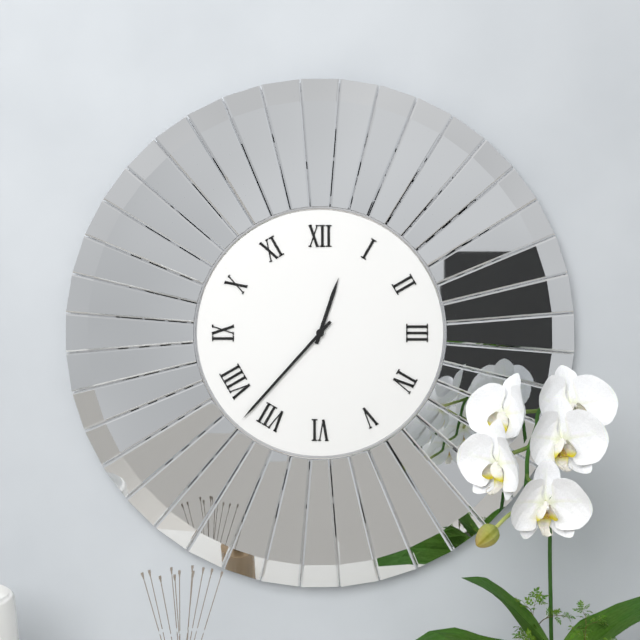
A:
12 h 37 min
